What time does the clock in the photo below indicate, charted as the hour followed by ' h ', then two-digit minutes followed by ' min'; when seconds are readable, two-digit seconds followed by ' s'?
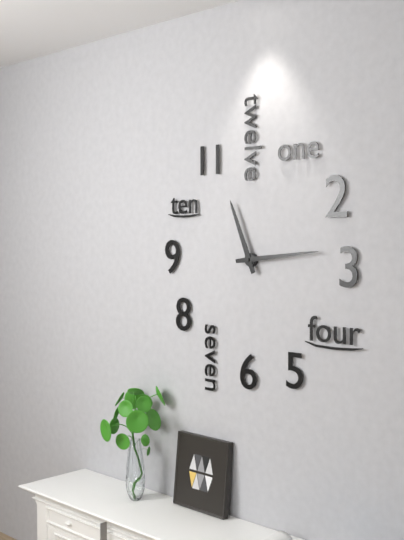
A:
11 h 14 min
